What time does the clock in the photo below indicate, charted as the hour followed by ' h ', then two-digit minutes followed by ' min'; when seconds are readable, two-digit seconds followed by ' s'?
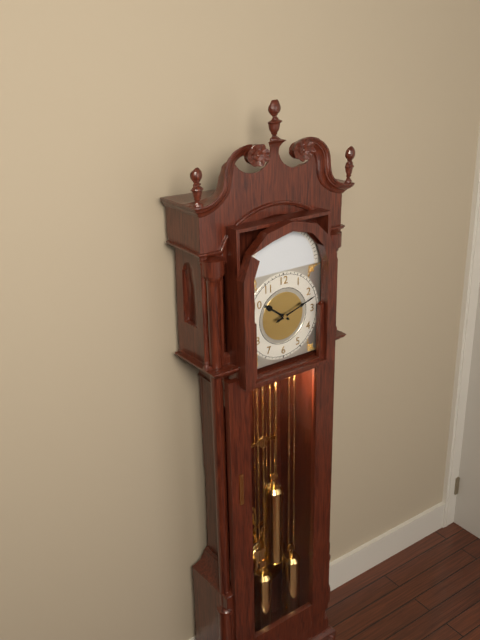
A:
10 h 12 min
